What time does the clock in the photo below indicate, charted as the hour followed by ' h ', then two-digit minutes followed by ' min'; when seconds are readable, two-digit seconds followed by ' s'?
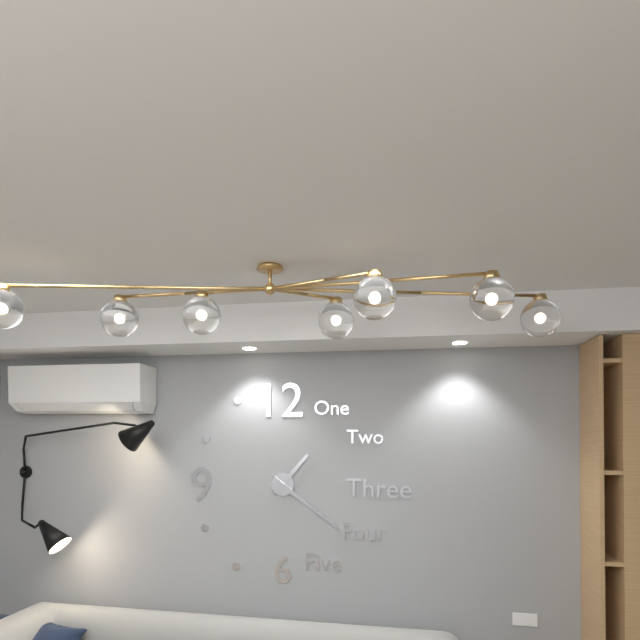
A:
1 h 21 min
